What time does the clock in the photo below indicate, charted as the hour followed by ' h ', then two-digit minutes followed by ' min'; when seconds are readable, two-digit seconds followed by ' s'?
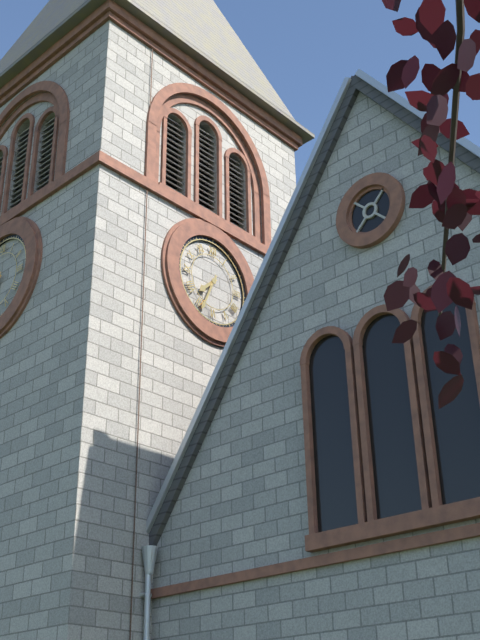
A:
7 h 34 min
